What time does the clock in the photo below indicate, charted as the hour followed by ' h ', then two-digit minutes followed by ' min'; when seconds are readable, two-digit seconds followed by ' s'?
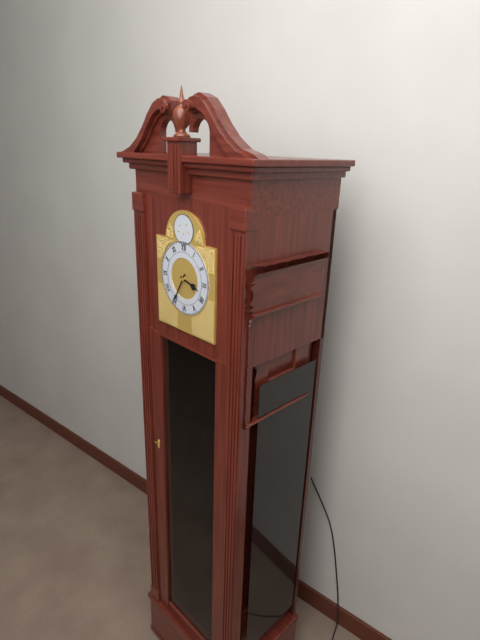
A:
3 h 35 min
